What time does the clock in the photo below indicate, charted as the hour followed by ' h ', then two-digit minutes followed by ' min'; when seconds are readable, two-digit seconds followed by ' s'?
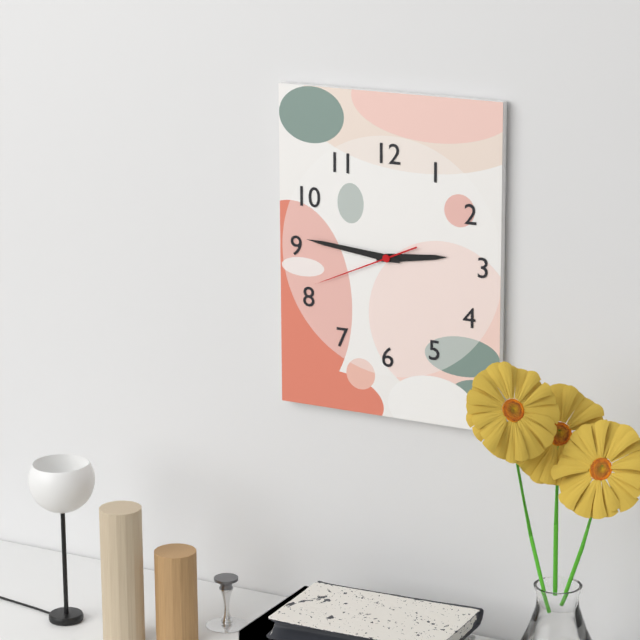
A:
2 h 46 min 41 s
